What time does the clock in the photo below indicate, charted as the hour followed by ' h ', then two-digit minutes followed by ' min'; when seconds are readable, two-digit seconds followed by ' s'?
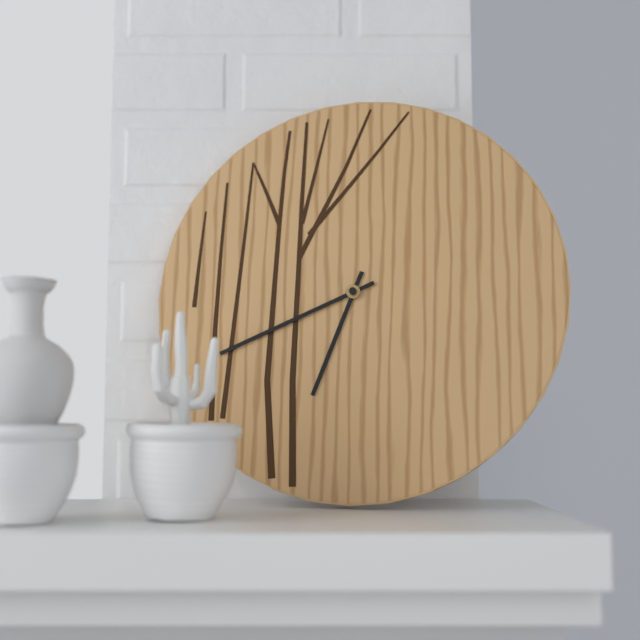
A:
6 h 41 min
